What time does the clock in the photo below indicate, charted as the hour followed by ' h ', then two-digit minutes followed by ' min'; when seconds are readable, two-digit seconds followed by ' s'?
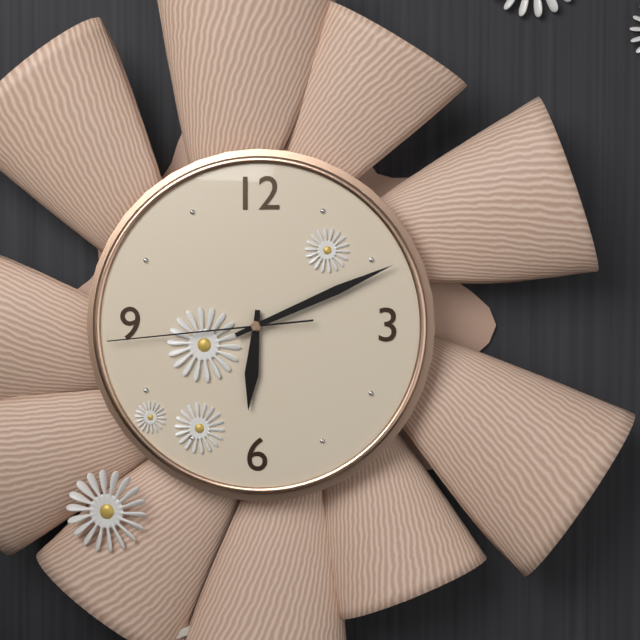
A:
6 h 11 min 44 s
